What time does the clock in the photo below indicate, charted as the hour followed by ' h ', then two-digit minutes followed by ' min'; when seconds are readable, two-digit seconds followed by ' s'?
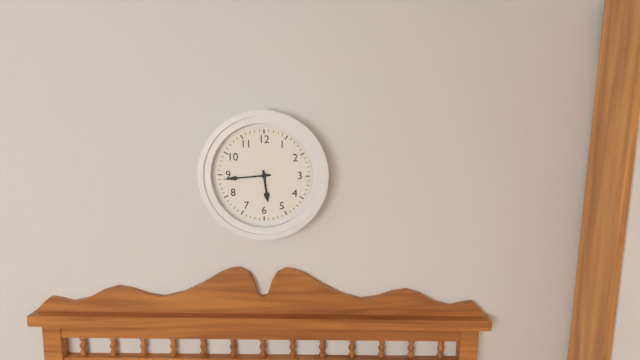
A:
5 h 44 min
